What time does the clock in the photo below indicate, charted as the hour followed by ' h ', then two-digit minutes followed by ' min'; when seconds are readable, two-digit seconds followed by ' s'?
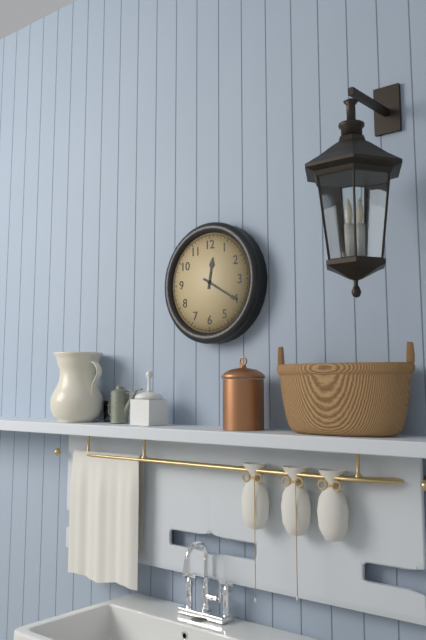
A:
12 h 20 min
